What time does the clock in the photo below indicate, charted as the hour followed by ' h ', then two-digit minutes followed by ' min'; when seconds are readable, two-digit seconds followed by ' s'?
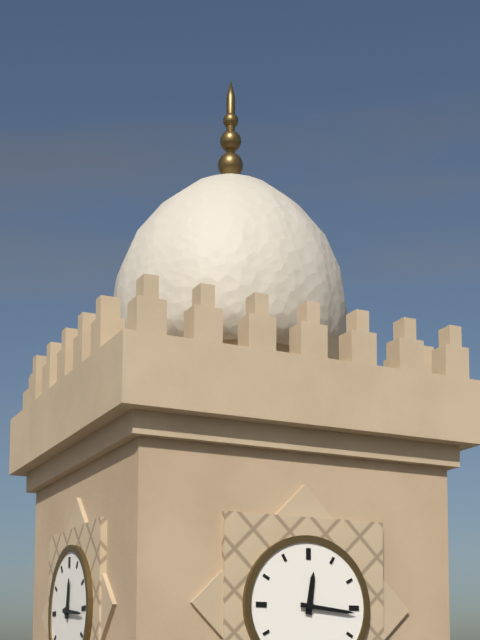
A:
12 h 16 min
